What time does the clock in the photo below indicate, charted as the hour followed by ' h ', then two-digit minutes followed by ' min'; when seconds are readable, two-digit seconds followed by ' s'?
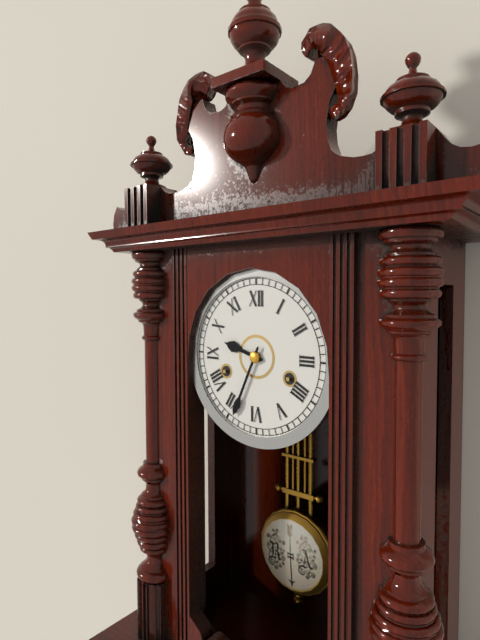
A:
9 h 34 min
